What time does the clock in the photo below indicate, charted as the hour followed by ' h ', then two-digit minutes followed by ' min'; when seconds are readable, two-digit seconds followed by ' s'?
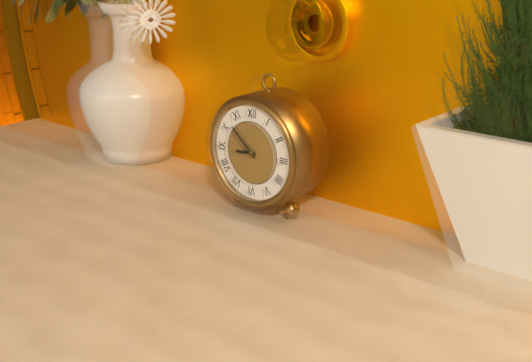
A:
8 h 52 min
